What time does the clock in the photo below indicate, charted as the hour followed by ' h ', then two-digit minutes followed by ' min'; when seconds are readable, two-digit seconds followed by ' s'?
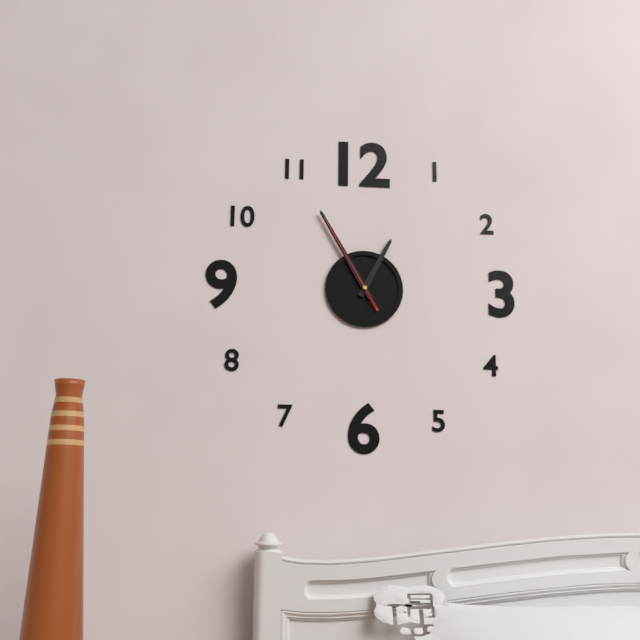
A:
12 h 55 min 55 s
